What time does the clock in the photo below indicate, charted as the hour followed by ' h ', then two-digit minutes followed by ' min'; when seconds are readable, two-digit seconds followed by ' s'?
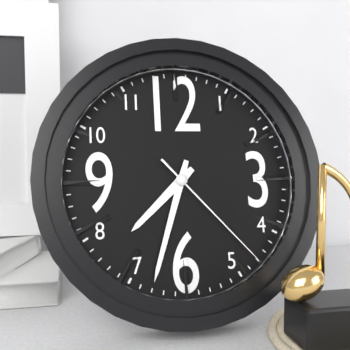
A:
7 h 33 min 23 s
